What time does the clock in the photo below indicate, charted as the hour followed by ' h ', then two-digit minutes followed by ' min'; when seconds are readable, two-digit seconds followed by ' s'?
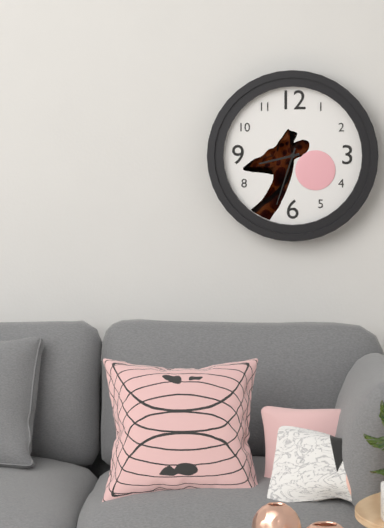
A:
8 h 33 min
